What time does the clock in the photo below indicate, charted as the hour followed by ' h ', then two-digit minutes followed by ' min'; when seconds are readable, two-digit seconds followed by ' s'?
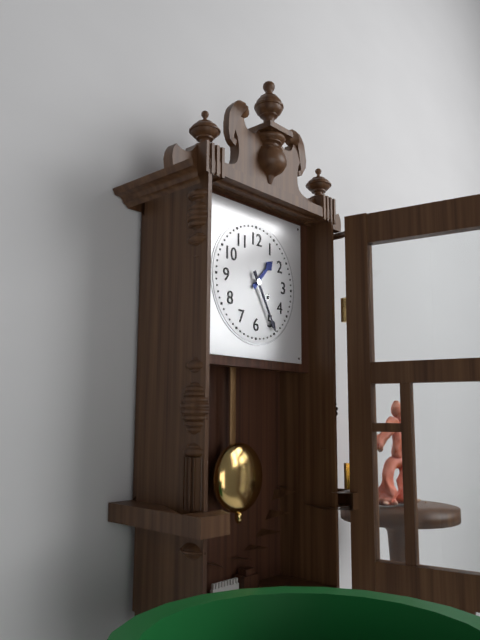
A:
1 h 25 min
